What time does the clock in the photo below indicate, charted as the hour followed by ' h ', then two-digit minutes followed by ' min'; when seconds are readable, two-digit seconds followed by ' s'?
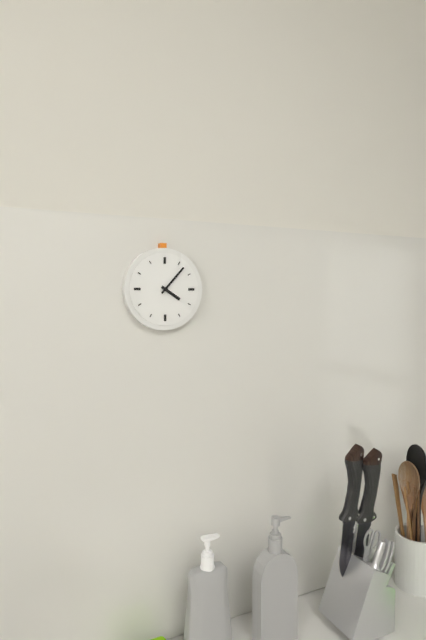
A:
4 h 07 min
